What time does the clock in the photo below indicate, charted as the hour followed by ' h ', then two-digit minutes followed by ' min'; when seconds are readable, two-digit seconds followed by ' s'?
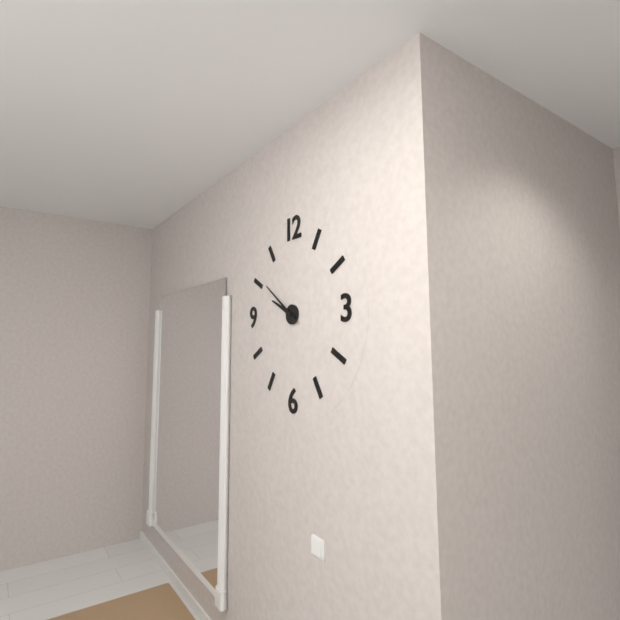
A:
9 h 51 min
